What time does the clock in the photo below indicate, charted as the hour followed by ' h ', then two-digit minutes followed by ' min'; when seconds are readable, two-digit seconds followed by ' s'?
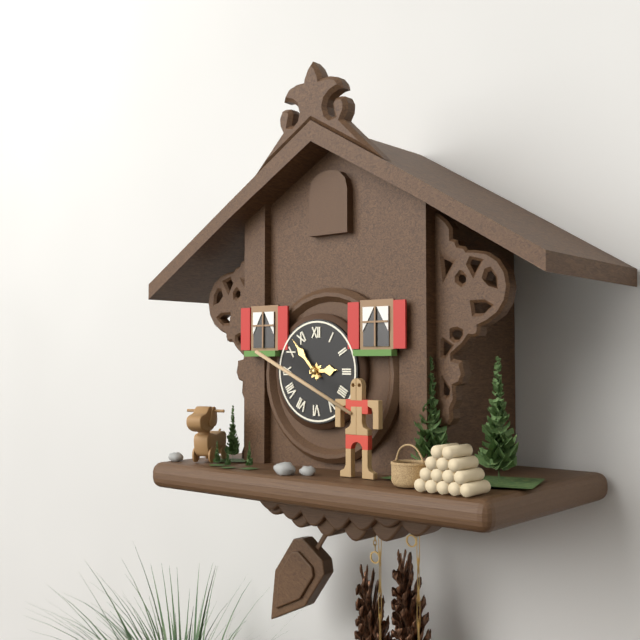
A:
2 h 53 min
